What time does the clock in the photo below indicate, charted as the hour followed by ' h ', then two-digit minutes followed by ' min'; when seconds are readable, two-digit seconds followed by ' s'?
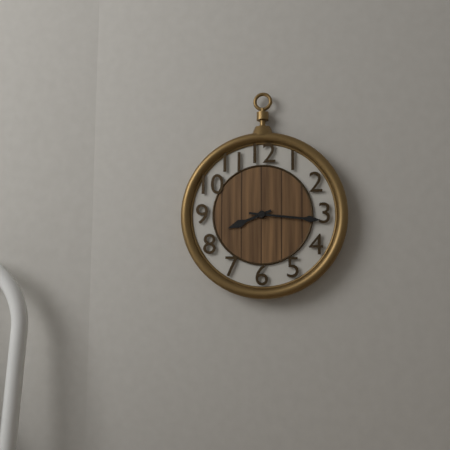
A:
8 h 16 min
